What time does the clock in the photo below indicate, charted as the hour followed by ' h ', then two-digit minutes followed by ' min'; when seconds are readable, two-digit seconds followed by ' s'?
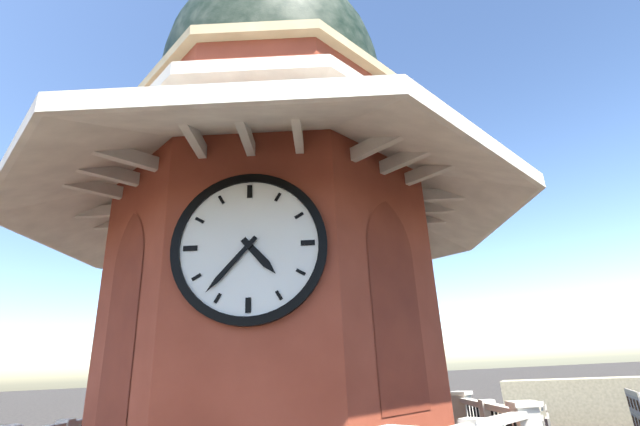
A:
4 h 37 min
